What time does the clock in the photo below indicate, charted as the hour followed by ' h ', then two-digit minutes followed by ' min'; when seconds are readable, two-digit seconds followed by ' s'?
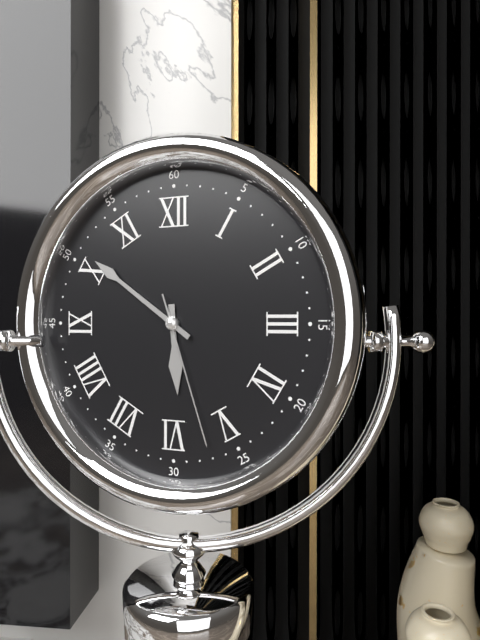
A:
5 h 51 min 27 s
